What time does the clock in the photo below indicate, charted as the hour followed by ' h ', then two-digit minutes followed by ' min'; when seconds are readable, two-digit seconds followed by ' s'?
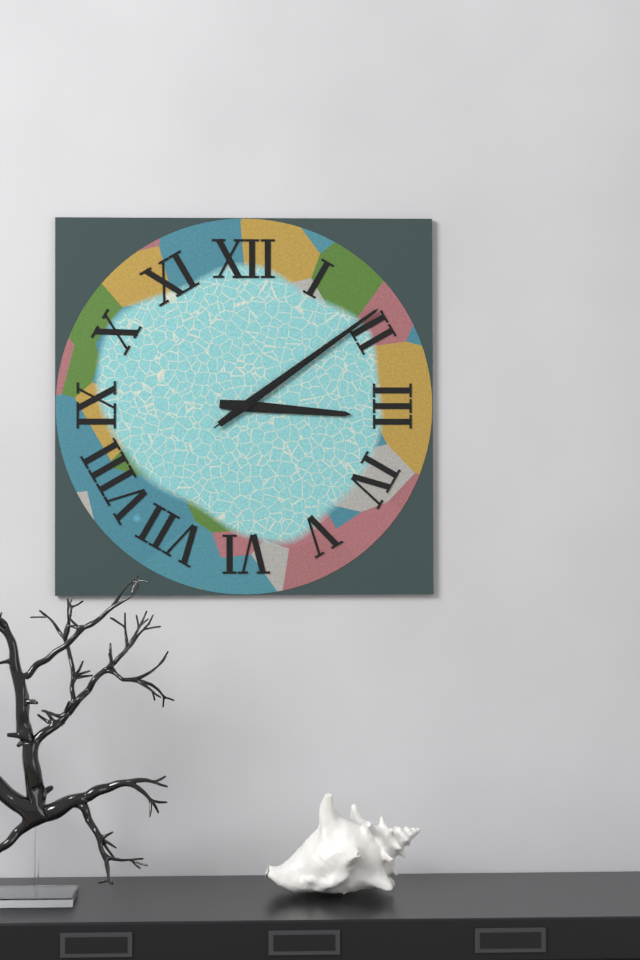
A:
3 h 09 min 09 s
